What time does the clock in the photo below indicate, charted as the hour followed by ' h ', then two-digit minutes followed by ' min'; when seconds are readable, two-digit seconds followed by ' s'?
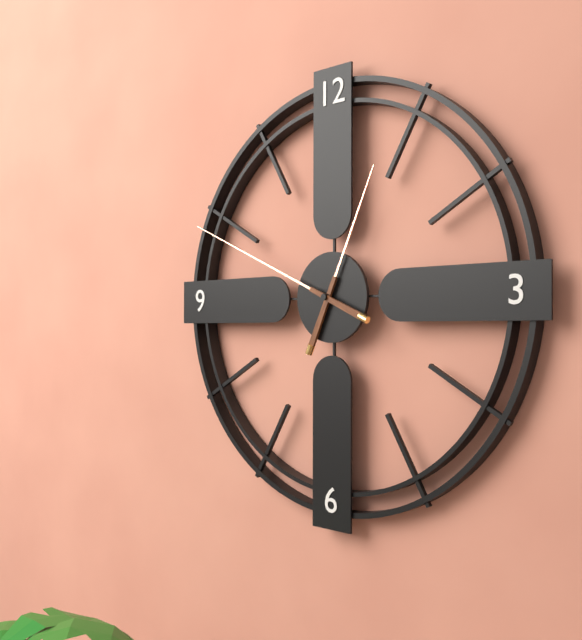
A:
12 h 49 min
